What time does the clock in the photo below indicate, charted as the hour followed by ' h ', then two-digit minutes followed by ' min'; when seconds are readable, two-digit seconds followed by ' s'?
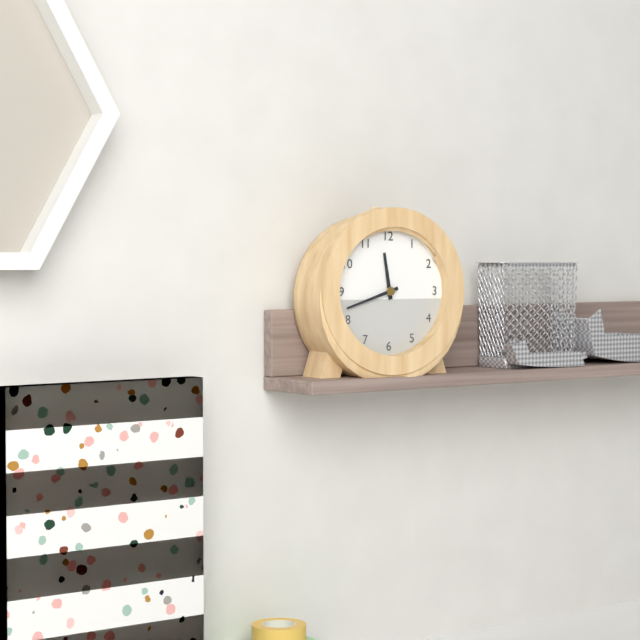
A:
11 h 42 min
